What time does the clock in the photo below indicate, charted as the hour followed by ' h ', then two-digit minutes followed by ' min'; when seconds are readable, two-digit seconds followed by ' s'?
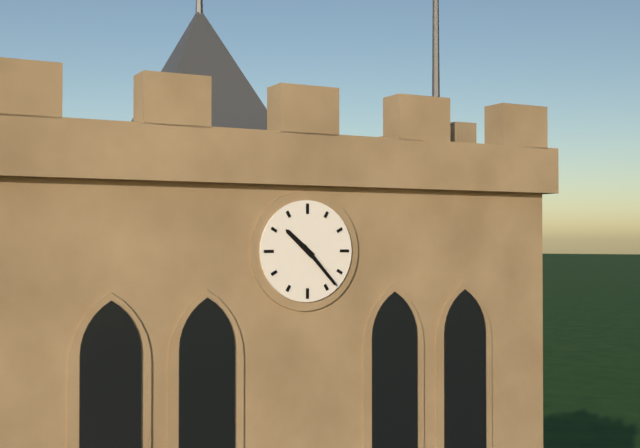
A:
10 h 23 min
